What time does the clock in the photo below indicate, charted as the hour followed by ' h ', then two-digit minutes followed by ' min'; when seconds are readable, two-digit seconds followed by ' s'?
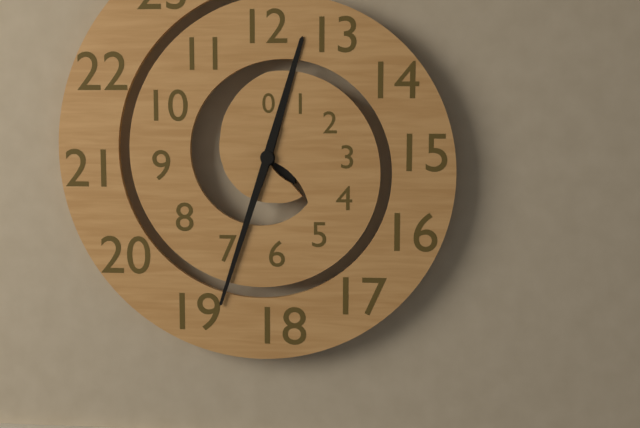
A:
12 h 33 min
